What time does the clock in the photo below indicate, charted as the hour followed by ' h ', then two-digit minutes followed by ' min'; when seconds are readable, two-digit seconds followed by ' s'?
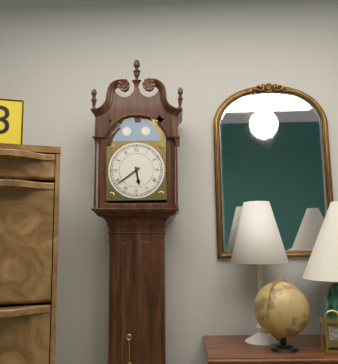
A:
5 h 39 min
